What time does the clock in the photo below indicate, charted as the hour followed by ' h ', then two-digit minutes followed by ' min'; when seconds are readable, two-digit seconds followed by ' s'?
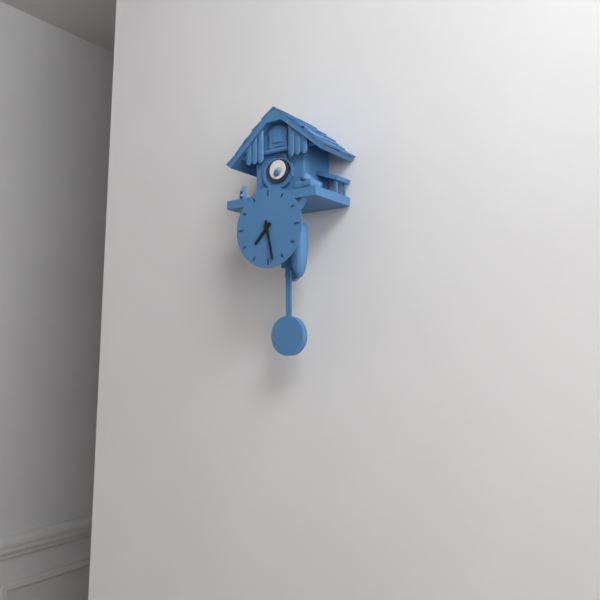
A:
7 h 28 min
